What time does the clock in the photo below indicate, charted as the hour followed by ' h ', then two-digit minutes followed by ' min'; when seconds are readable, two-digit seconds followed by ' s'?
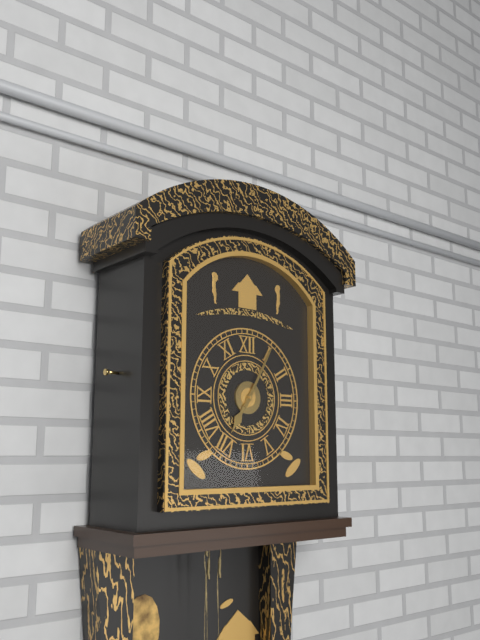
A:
7 h 05 min
